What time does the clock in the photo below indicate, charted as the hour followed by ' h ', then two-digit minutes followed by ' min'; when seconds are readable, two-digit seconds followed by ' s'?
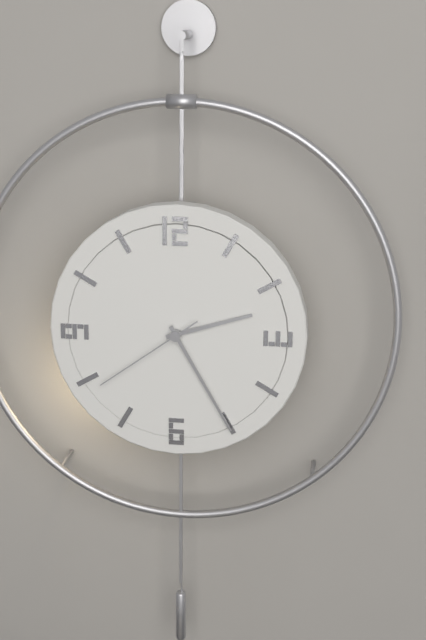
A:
2 h 25 min 39 s
